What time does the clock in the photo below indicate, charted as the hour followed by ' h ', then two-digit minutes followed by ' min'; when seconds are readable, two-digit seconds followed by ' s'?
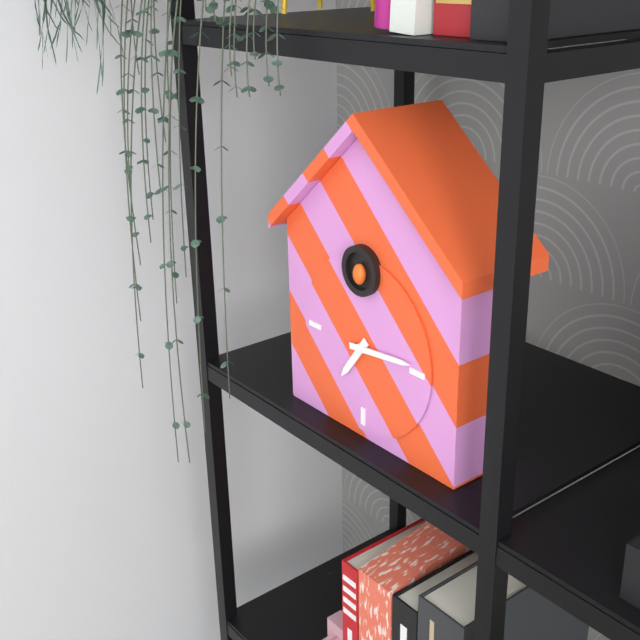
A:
7 h 14 min
